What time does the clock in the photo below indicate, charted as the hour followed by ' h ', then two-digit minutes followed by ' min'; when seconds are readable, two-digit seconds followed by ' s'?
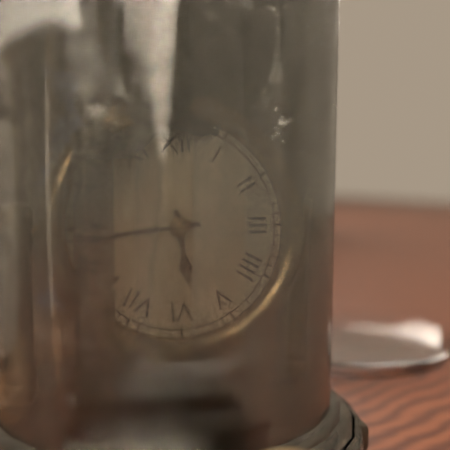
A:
5 h 44 min
